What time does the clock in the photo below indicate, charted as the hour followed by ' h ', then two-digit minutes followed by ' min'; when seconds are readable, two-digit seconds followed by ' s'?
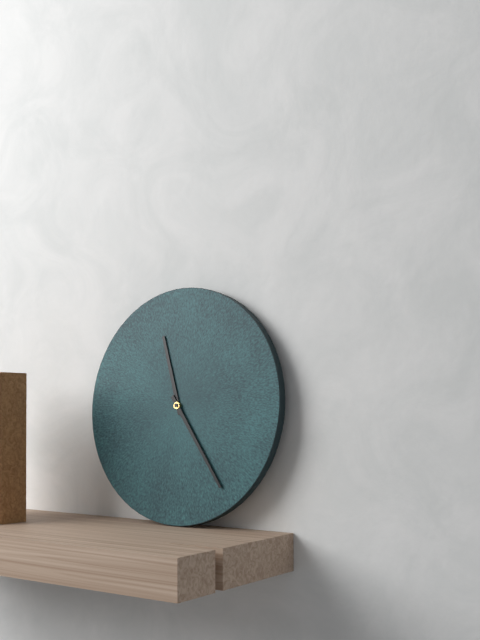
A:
11 h 24 min
